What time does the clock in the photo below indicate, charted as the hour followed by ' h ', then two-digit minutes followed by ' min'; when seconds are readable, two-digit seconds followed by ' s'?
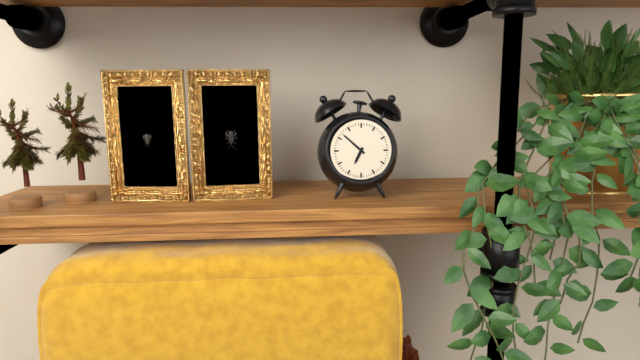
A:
6 h 52 min
